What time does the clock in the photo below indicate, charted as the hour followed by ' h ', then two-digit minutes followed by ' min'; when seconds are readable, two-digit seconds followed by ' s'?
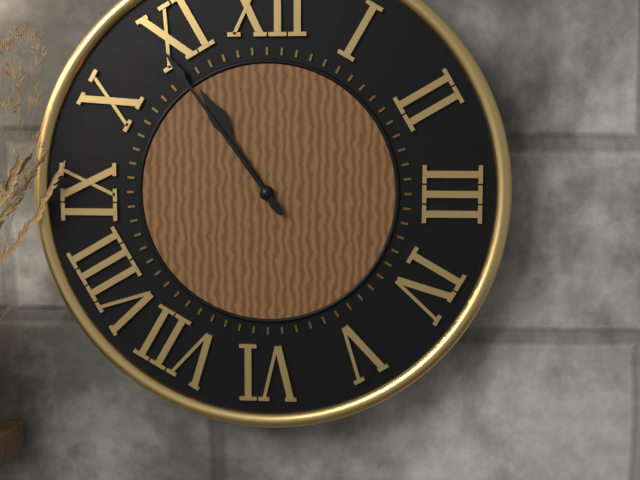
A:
10 h 54 min
